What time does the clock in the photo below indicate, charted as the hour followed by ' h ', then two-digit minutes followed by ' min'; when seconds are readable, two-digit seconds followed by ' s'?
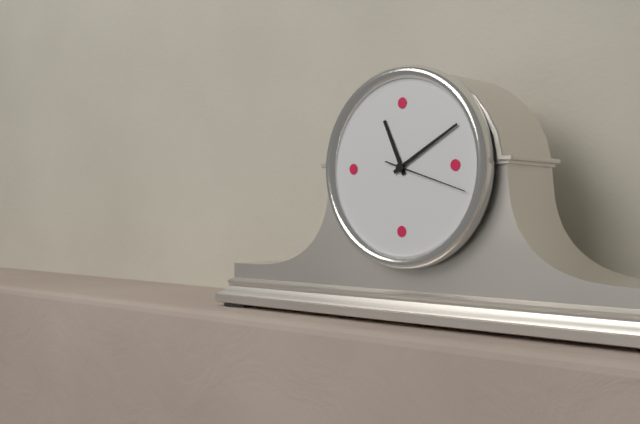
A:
11 h 10 min 18 s
